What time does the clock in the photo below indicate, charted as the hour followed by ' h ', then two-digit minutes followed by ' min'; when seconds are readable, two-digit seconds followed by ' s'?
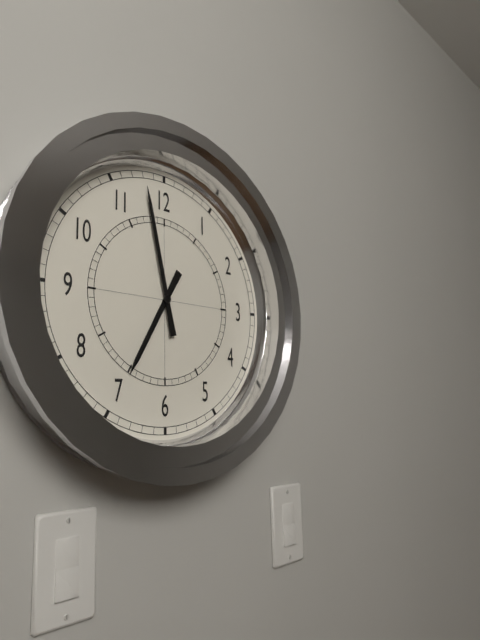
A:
6 h 58 min
